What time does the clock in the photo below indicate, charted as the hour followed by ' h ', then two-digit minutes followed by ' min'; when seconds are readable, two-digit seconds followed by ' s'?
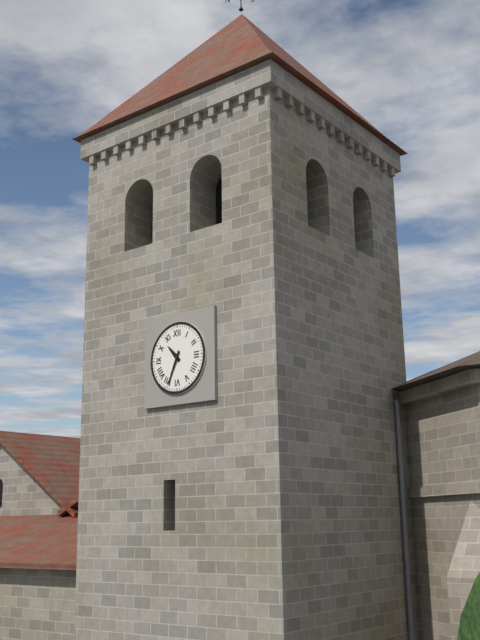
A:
10 h 34 min
